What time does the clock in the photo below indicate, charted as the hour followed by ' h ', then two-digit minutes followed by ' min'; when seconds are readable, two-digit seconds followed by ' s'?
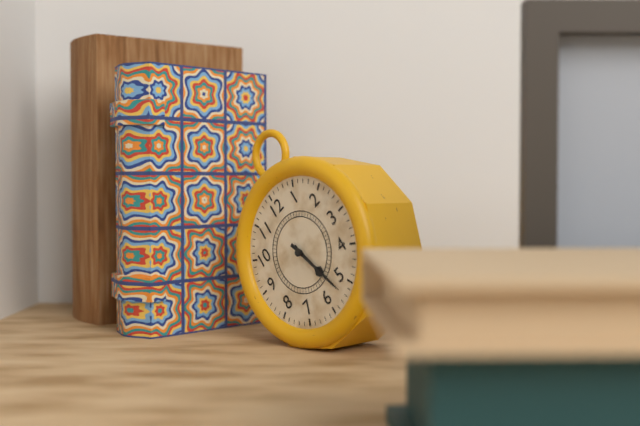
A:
5 h 27 min
